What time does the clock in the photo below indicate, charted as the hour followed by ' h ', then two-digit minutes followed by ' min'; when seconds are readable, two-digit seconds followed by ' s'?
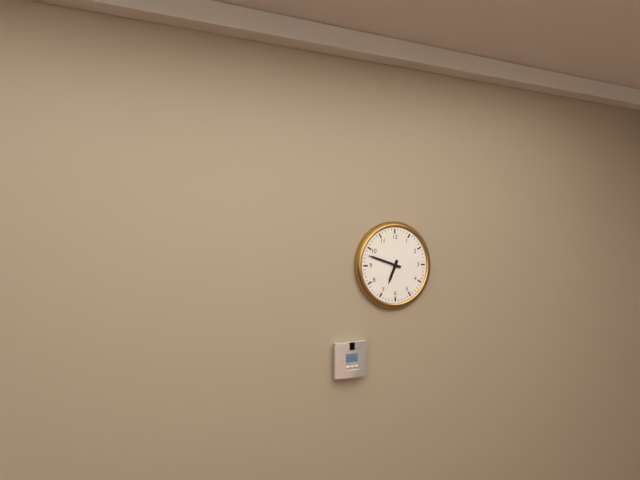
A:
6 h 48 min
